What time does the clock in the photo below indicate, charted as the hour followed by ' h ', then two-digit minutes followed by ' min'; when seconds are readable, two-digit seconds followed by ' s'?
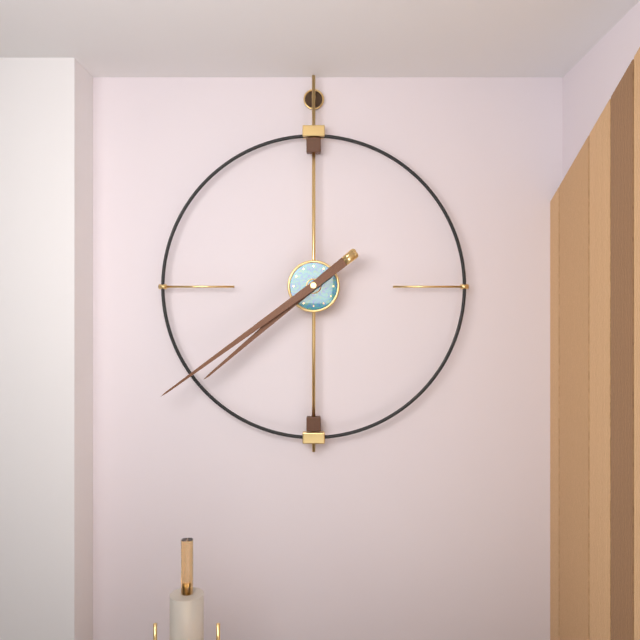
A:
7 h 39 min
